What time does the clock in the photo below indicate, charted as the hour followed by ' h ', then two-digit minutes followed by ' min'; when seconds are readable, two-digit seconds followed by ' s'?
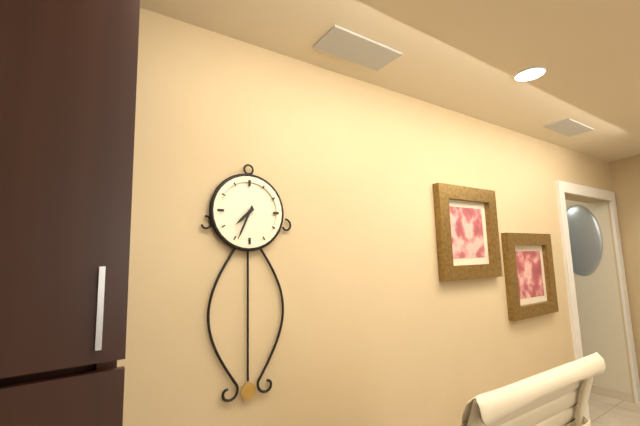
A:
7 h 34 min
